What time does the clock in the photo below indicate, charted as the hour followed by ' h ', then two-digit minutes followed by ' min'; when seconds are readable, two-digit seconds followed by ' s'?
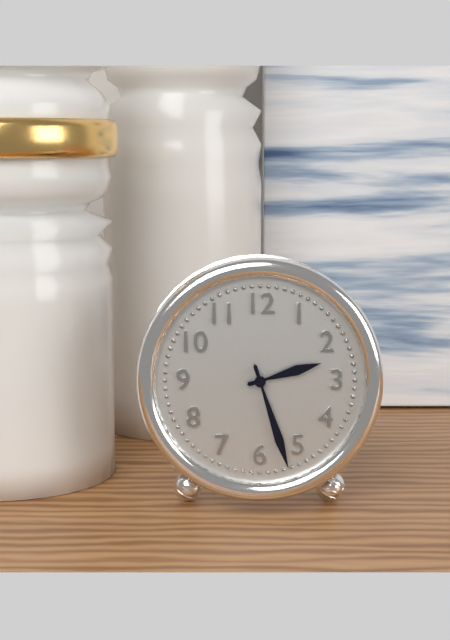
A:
2 h 27 min
